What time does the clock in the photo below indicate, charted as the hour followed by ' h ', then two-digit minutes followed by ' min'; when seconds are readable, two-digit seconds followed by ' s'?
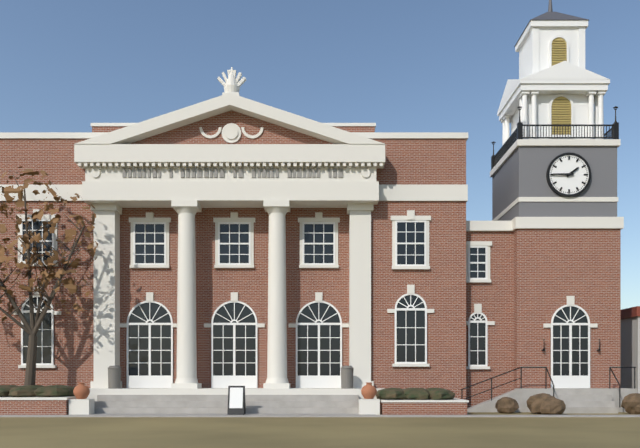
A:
1 h 45 min
